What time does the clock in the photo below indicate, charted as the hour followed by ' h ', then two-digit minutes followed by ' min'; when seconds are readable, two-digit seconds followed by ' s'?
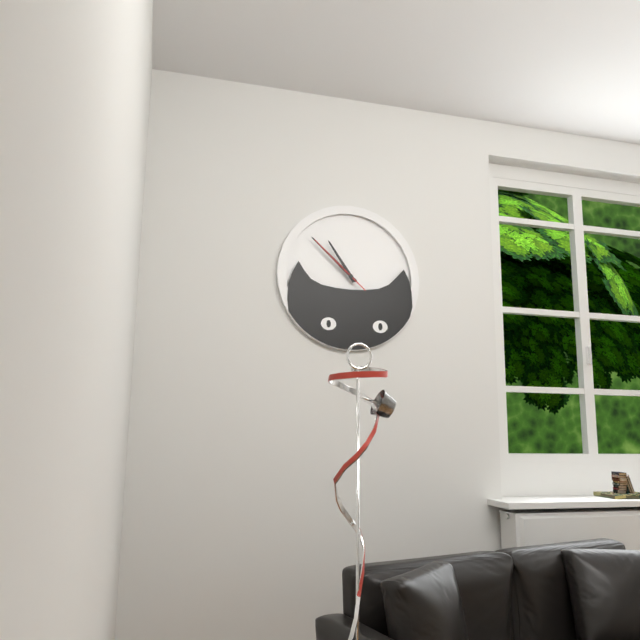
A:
10 h 52 min 52 s
